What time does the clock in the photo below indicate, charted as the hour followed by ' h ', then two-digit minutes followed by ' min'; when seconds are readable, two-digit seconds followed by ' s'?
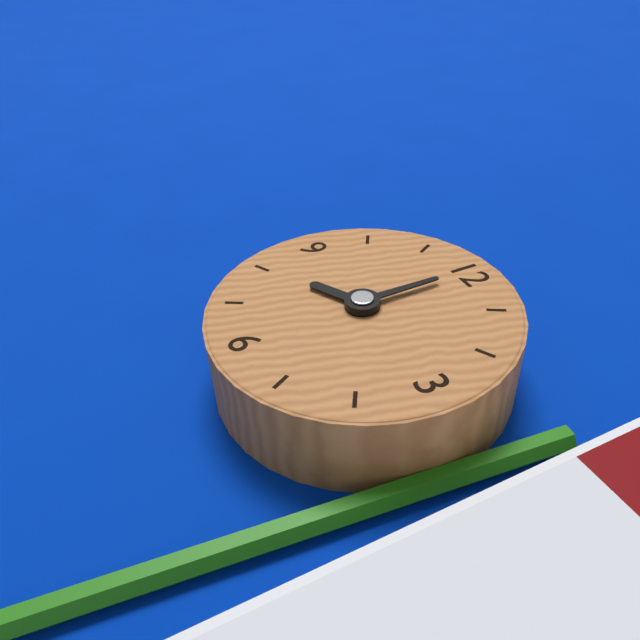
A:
8 h 00 min
